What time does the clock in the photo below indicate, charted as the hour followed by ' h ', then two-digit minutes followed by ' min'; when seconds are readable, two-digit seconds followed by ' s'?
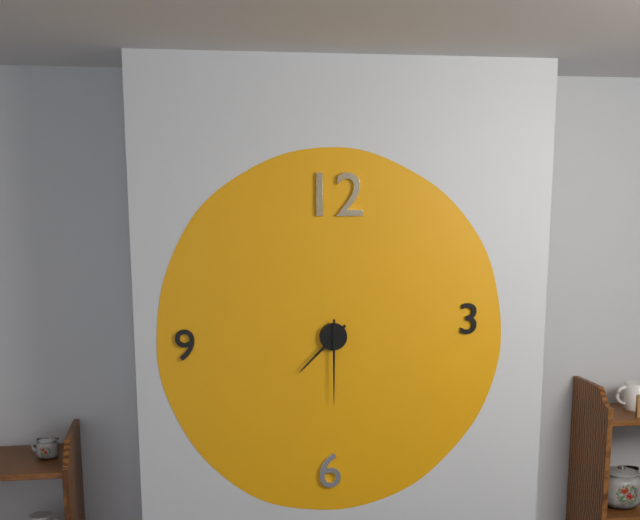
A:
7 h 30 min
